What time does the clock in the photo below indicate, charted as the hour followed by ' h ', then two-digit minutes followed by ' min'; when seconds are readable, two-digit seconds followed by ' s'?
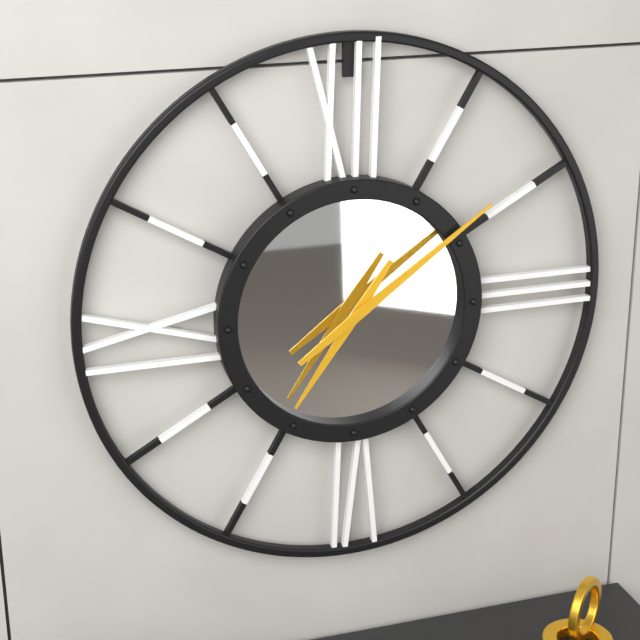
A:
7 h 09 min
